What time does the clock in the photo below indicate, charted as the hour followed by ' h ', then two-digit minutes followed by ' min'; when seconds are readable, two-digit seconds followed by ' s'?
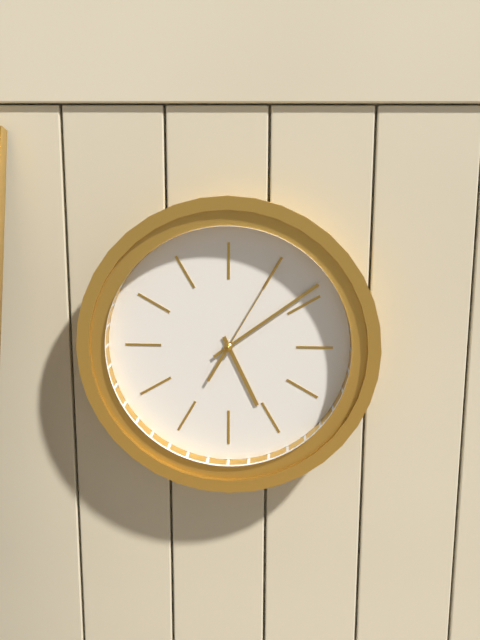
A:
5 h 09 min 05 s
